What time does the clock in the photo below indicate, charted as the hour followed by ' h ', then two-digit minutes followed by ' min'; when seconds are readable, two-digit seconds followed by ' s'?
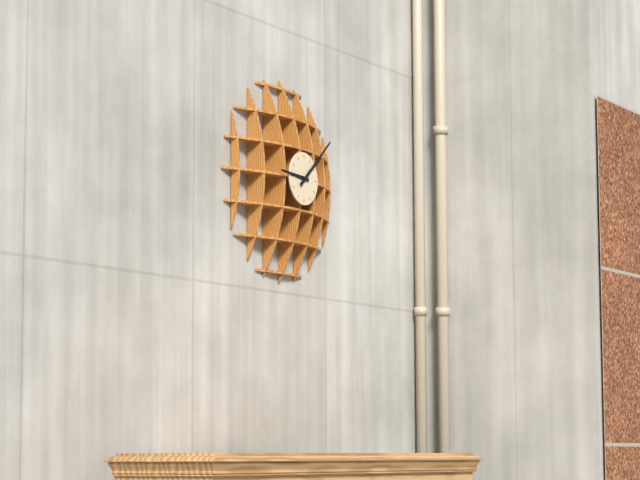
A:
9 h 08 min
